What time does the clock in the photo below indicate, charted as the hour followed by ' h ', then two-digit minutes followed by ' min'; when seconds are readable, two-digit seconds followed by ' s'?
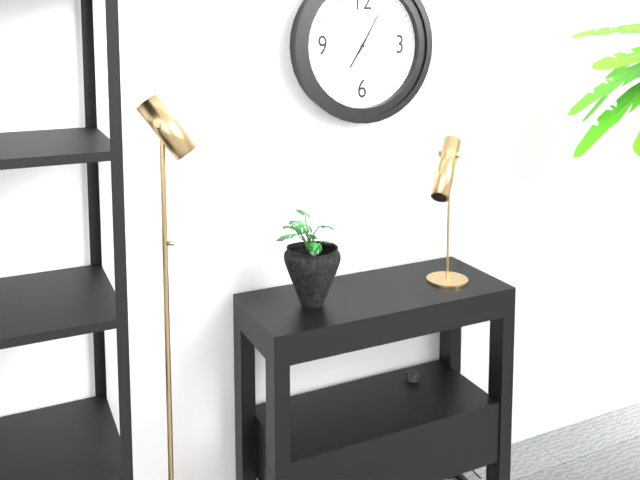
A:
7 h 05 min
